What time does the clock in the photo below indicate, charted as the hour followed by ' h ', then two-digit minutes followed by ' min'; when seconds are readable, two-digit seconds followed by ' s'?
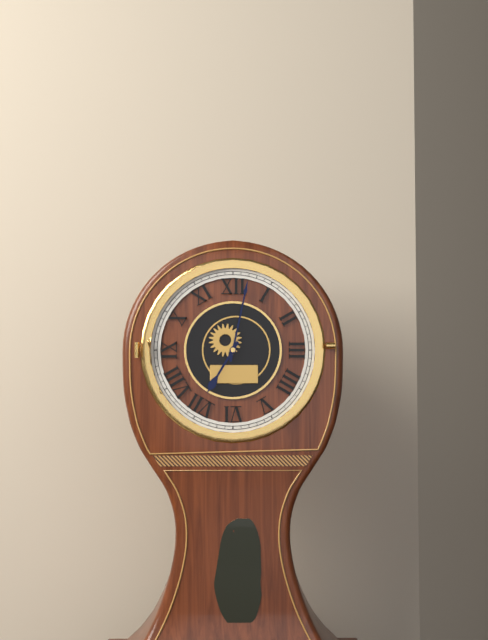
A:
7 h 02 min
